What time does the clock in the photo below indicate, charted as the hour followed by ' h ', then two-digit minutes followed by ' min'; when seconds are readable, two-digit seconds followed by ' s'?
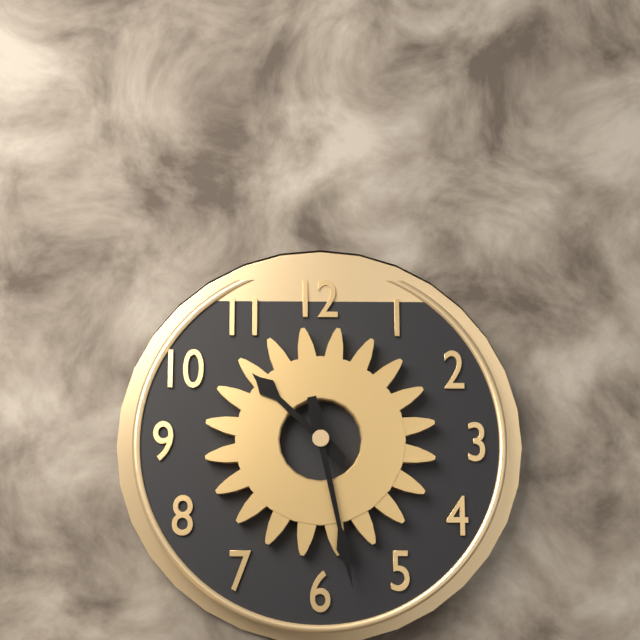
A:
10 h 28 min
